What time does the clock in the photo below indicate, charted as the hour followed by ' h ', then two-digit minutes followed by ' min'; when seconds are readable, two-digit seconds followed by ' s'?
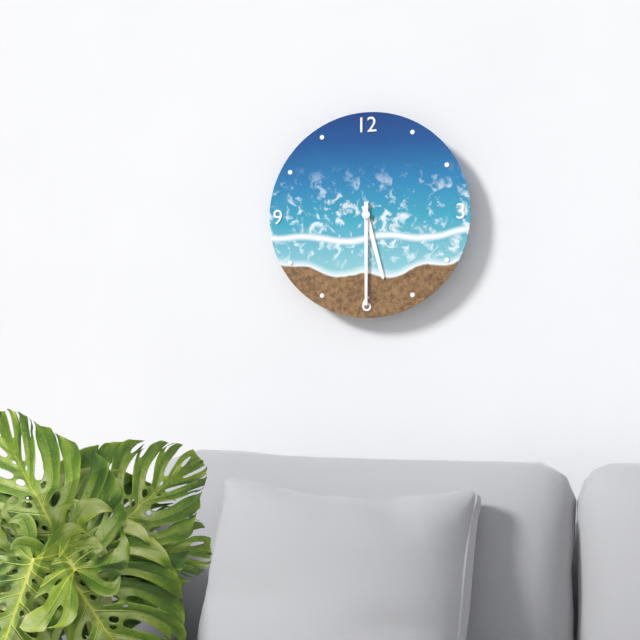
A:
5 h 30 min
